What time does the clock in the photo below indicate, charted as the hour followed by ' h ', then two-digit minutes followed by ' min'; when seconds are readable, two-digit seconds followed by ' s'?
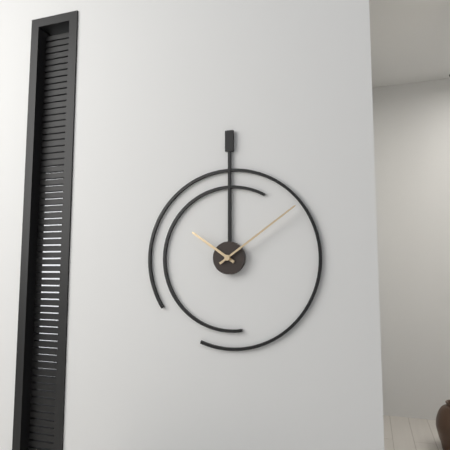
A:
10 h 09 min
